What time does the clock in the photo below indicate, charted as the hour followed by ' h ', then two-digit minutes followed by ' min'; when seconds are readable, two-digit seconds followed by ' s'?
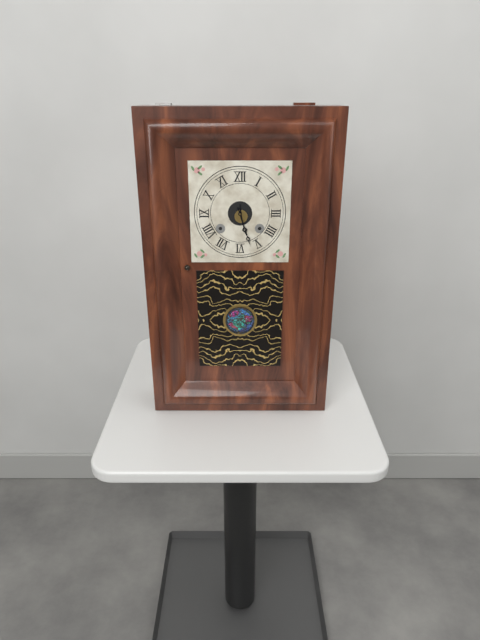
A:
5 h 27 min
